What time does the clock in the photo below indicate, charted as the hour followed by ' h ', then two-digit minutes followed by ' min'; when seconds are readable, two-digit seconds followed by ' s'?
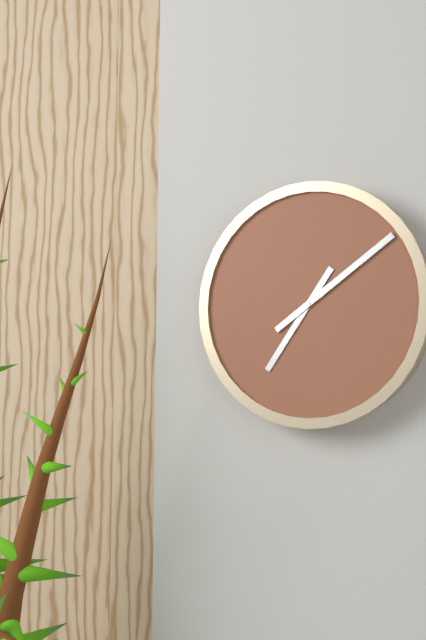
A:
7 h 09 min
